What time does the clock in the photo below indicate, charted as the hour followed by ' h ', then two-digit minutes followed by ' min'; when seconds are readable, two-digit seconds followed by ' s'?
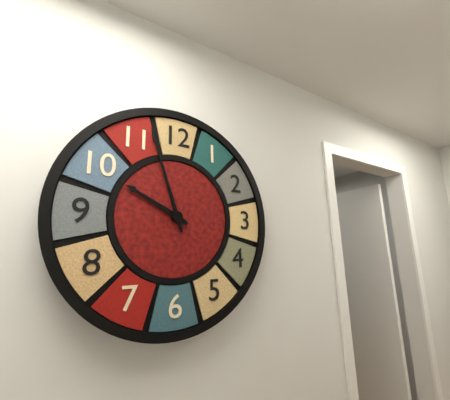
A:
9 h 57 min
